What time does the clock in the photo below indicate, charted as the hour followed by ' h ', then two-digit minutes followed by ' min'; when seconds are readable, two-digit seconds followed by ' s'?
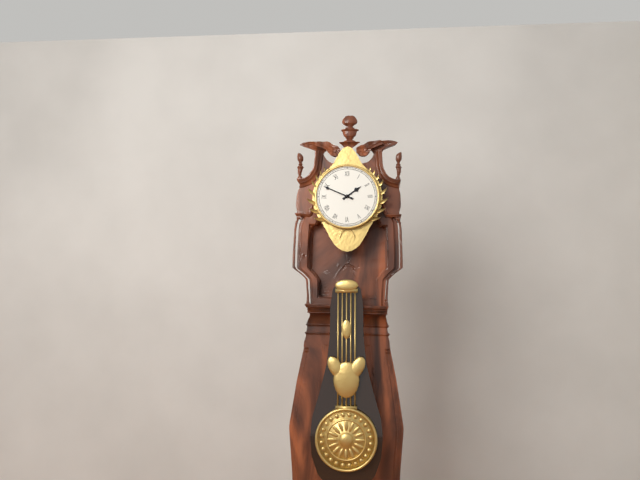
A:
1 h 49 min
